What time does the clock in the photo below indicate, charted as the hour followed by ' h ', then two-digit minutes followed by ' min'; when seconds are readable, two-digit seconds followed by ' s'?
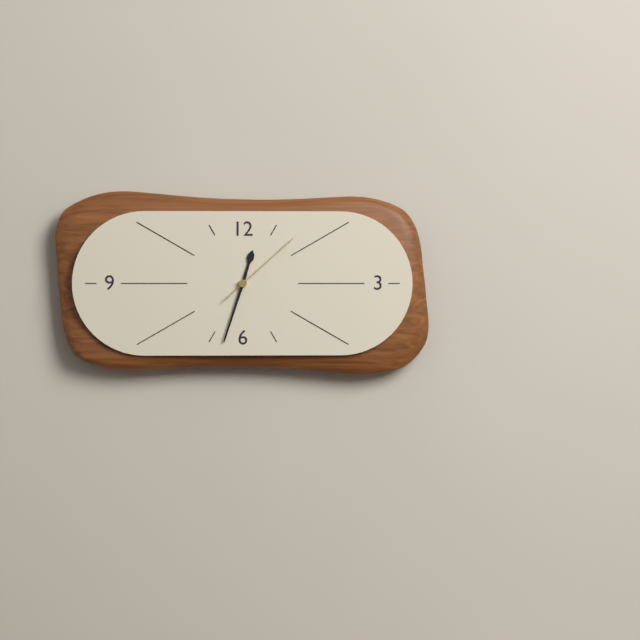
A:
12 h 33 min 08 s
